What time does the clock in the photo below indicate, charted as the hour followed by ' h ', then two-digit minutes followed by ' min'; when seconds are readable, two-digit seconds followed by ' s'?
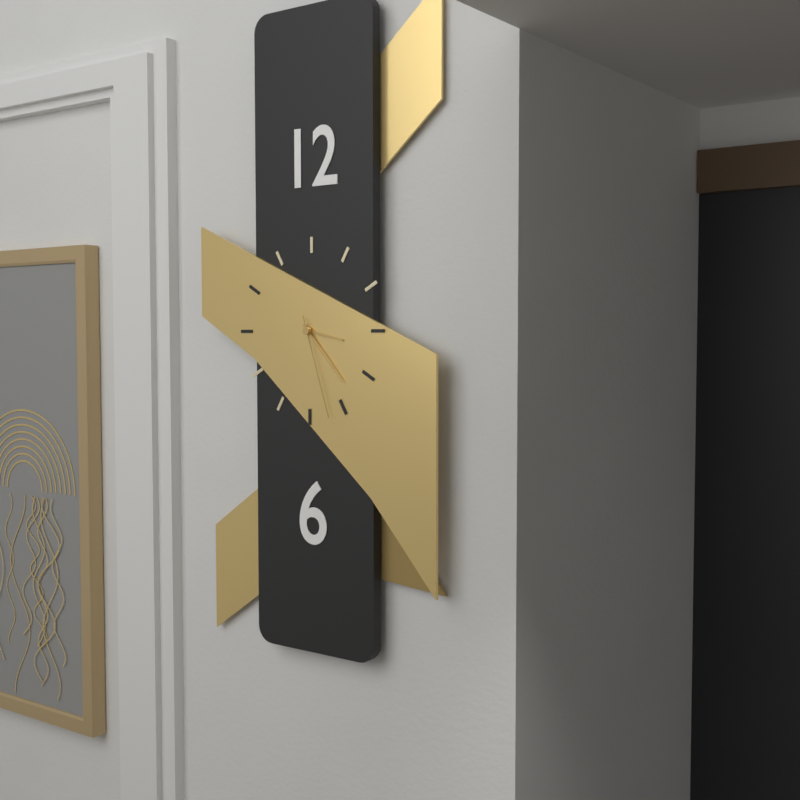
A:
3 h 23 min 27 s
